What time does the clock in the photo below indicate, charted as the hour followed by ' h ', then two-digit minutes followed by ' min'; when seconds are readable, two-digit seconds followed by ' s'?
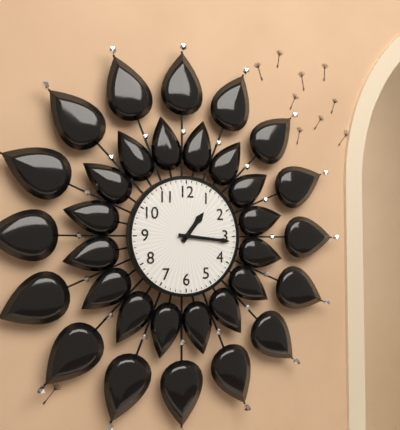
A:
1 h 16 min
